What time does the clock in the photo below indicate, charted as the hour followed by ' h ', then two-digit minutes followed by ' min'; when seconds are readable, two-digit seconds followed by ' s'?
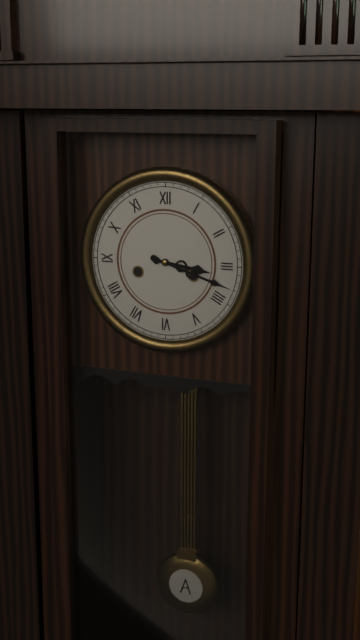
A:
3 h 18 min
